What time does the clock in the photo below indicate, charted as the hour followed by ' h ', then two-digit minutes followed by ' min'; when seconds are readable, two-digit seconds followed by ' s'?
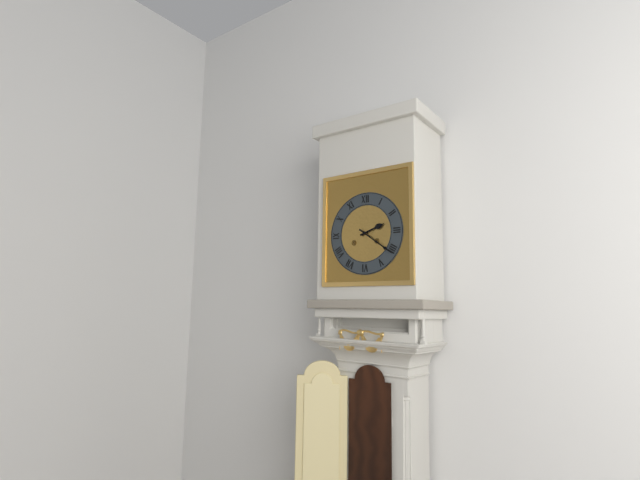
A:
2 h 21 min
